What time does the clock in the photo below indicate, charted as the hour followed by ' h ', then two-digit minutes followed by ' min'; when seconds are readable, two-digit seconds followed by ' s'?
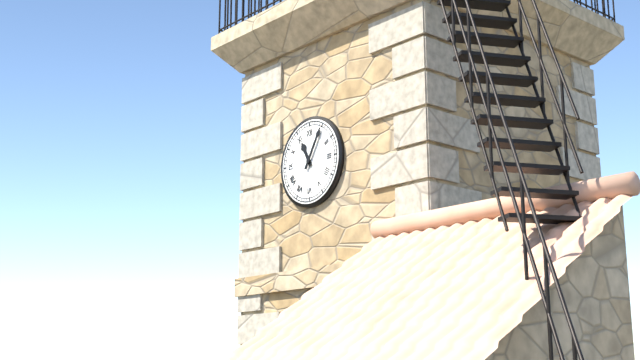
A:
11 h 05 min
